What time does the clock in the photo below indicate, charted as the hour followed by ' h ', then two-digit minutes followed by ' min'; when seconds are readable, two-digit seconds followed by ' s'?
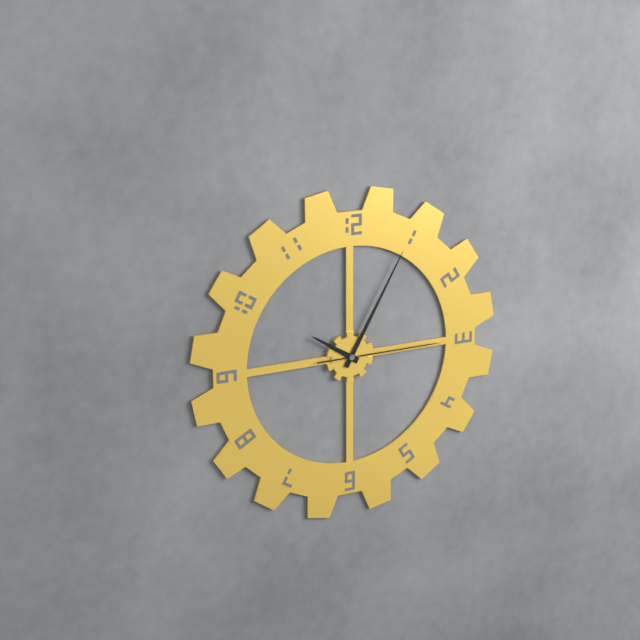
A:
10 h 05 min 15 s
